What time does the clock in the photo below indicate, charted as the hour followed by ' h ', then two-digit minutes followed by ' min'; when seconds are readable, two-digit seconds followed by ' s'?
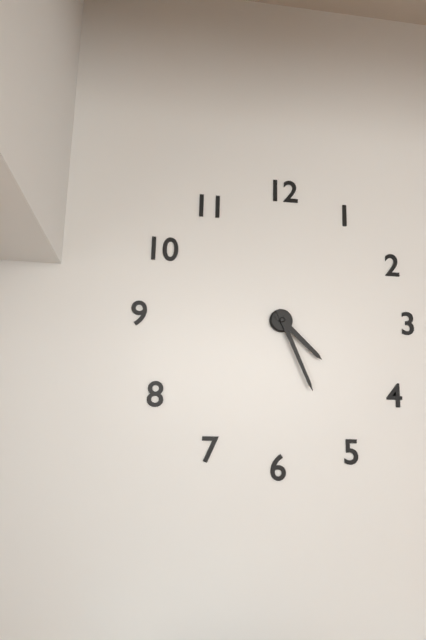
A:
4 h 26 min
